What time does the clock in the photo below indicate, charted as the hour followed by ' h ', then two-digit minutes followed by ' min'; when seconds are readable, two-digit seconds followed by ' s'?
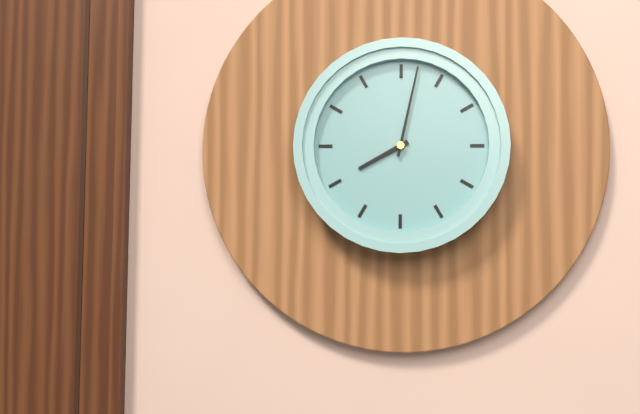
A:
8 h 02 min
